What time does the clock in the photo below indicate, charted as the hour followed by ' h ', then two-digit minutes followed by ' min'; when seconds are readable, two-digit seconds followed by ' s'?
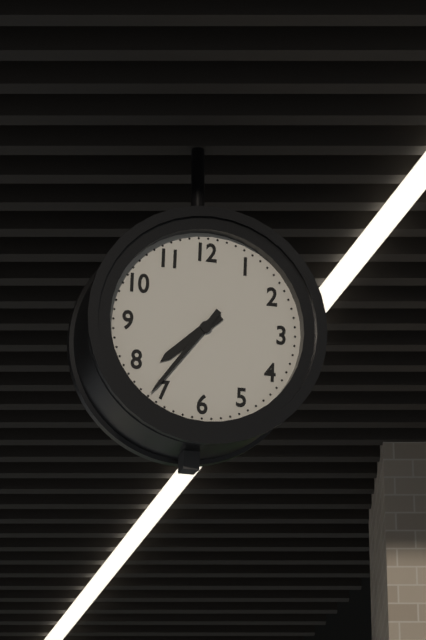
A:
7 h 36 min
